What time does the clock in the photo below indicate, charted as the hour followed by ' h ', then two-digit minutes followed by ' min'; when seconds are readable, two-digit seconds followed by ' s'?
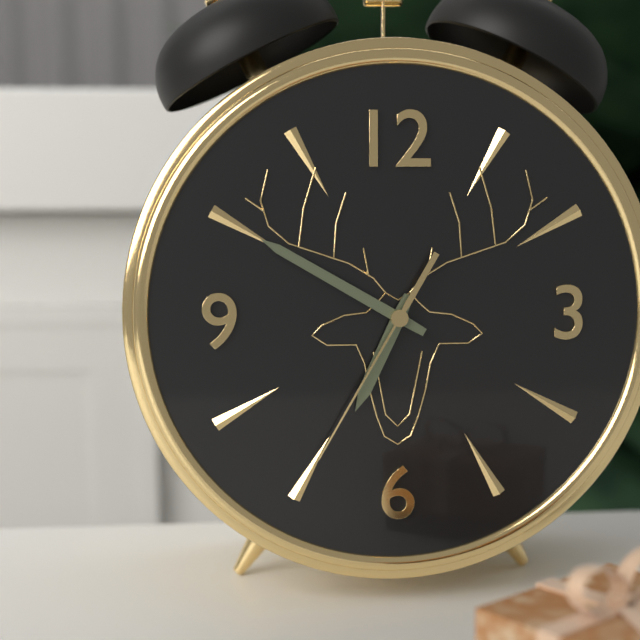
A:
6 h 50 min 35 s
